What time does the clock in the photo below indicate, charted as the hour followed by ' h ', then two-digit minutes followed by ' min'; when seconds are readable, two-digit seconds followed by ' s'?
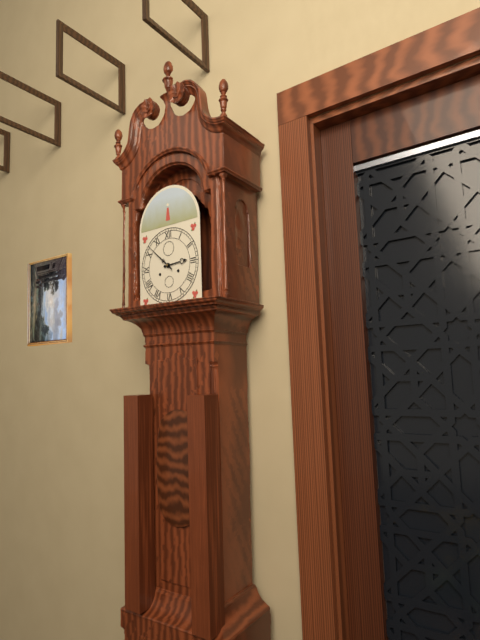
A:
2 h 52 min
